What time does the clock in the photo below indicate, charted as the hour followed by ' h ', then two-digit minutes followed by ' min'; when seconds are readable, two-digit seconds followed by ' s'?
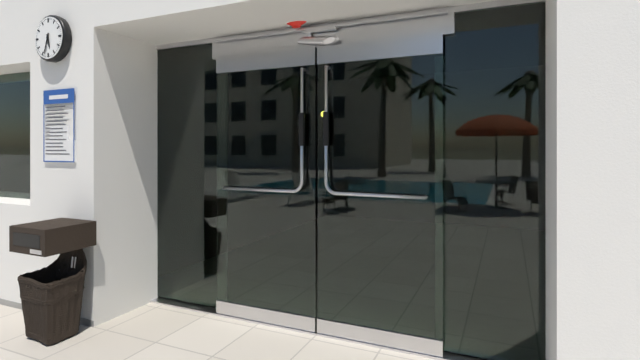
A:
5 h 33 min
